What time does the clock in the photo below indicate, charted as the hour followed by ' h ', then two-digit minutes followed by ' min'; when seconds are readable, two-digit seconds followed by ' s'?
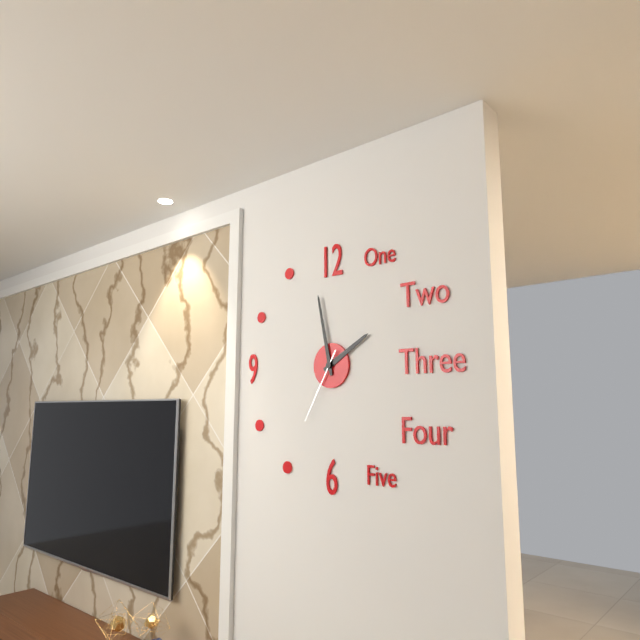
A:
1 h 58 min 35 s
